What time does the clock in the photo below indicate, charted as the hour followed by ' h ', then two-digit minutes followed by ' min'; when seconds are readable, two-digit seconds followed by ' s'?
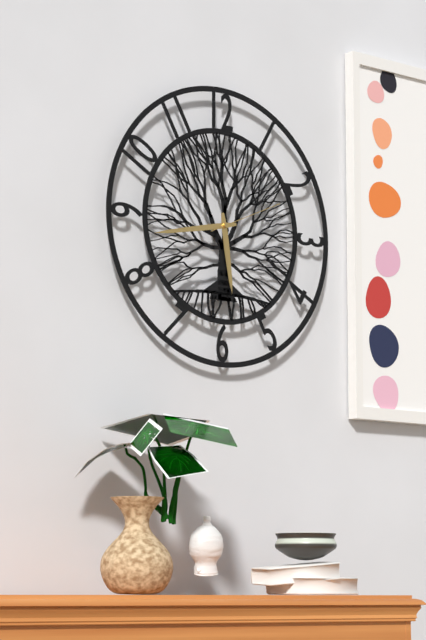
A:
5 h 43 min 11 s
